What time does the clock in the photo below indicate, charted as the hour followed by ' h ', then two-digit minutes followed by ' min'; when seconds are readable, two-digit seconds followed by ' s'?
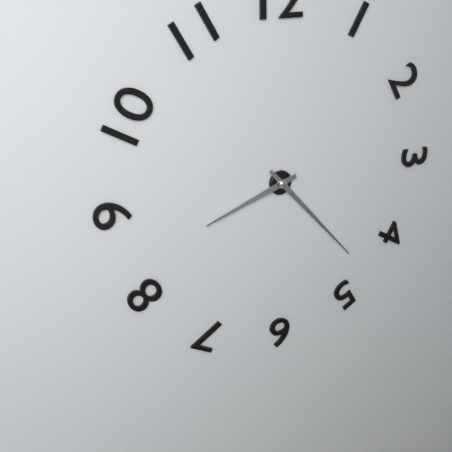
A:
8 h 23 min
